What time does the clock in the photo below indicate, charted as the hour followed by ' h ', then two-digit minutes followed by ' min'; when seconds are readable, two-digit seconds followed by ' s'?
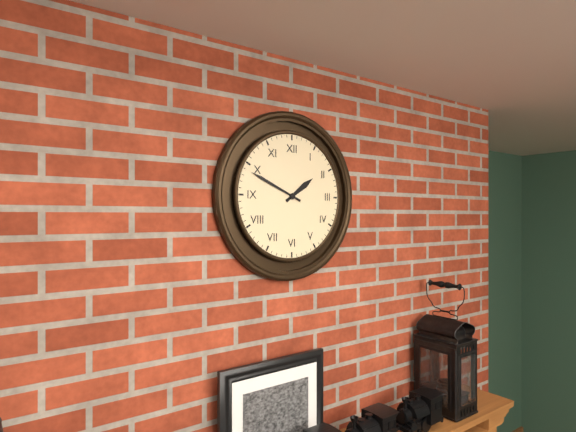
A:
1 h 49 min
